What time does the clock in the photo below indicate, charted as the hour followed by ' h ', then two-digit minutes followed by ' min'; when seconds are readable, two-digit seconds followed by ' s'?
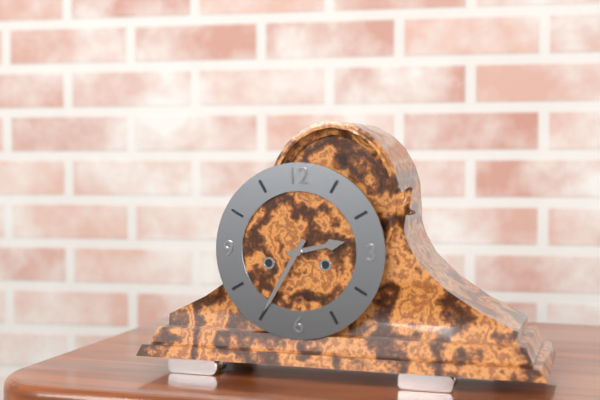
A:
2 h 35 min
